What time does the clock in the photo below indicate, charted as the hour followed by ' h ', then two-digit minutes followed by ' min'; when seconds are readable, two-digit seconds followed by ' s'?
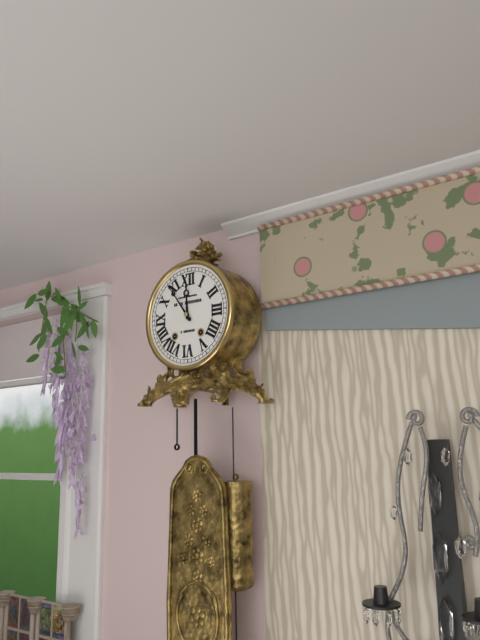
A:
11 h 54 min
